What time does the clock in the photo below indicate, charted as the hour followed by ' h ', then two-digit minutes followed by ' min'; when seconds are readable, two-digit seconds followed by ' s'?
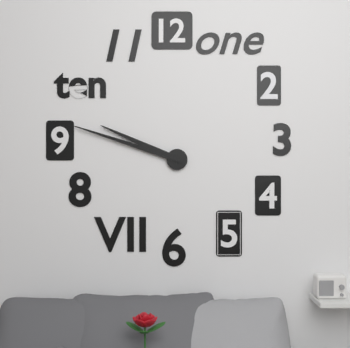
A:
9 h 48 min
